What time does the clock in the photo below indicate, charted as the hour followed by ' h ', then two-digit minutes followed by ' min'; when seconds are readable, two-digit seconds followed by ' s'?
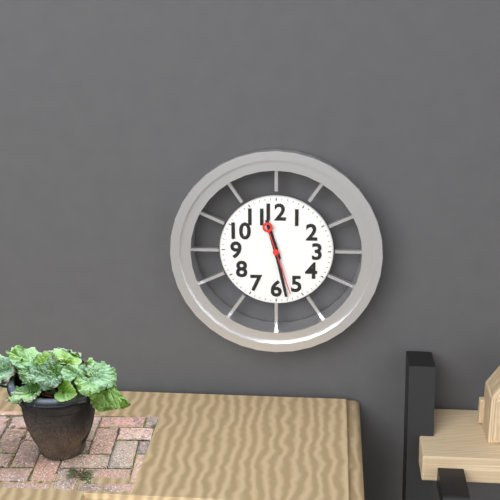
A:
11 h 28 min 27 s
